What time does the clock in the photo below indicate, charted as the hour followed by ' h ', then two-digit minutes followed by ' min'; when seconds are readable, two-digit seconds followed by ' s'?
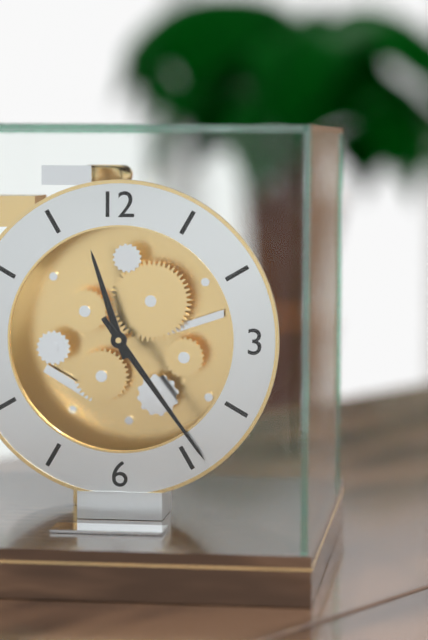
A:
11 h 24 min
